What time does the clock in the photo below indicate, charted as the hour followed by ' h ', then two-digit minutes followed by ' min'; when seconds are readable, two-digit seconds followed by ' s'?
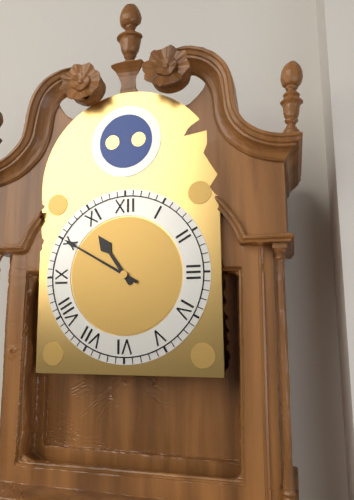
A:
10 h 50 min
